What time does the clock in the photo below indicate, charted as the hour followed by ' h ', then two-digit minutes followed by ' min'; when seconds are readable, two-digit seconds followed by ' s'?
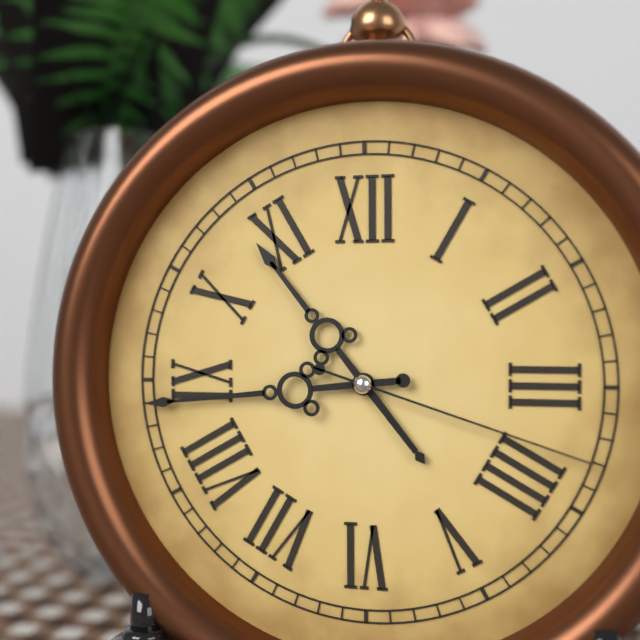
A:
10 h 44 min 18 s
